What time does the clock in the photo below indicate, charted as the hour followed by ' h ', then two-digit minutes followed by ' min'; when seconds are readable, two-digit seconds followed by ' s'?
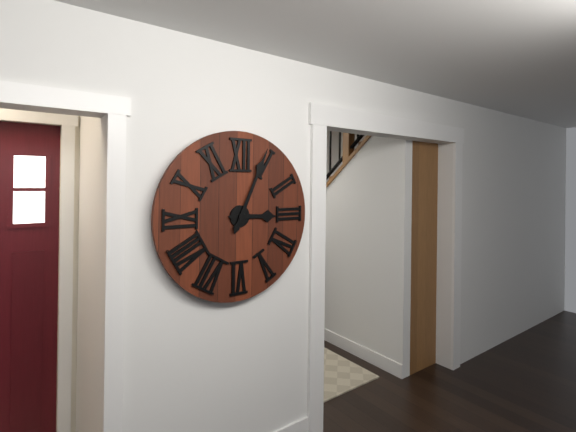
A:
3 h 04 min
